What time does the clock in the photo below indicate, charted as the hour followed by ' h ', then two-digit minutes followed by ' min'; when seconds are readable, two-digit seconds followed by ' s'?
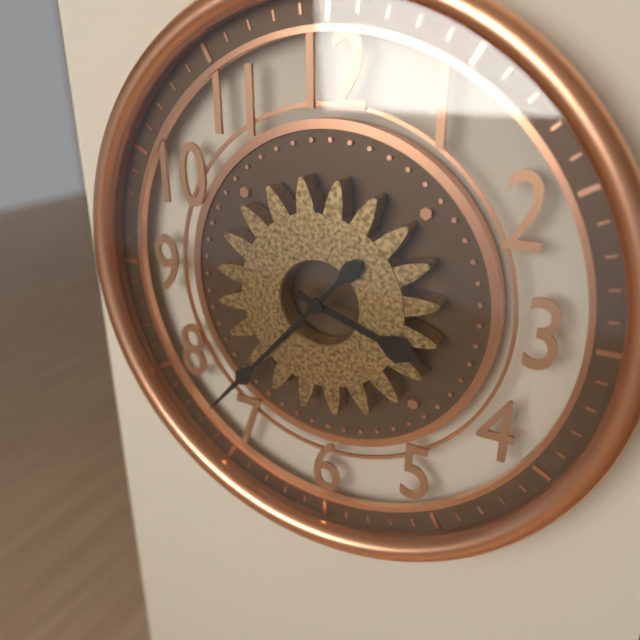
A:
3 h 37 min
